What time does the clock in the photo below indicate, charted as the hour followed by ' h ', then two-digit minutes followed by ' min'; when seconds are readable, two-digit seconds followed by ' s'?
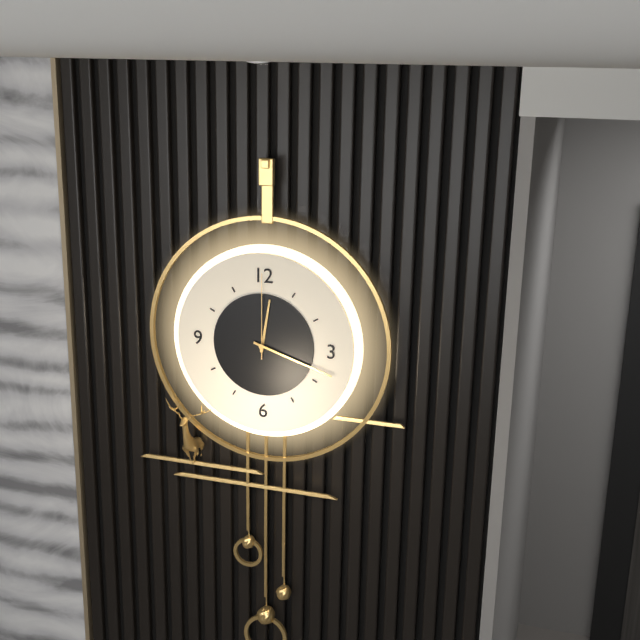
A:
12 h 18 min 00 s
